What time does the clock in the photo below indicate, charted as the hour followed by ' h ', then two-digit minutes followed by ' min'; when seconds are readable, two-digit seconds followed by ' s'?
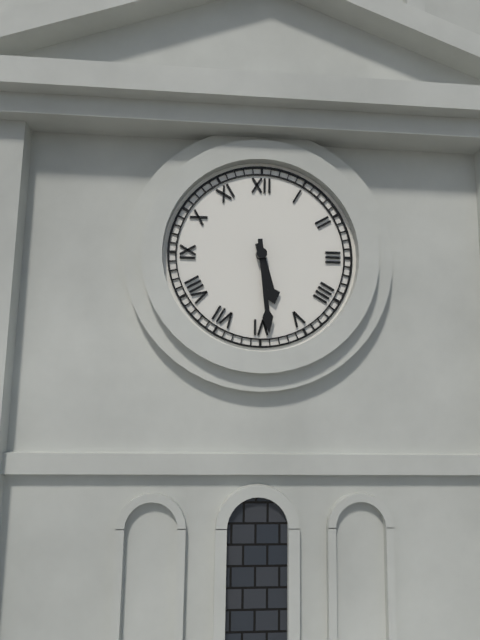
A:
5 h 29 min
